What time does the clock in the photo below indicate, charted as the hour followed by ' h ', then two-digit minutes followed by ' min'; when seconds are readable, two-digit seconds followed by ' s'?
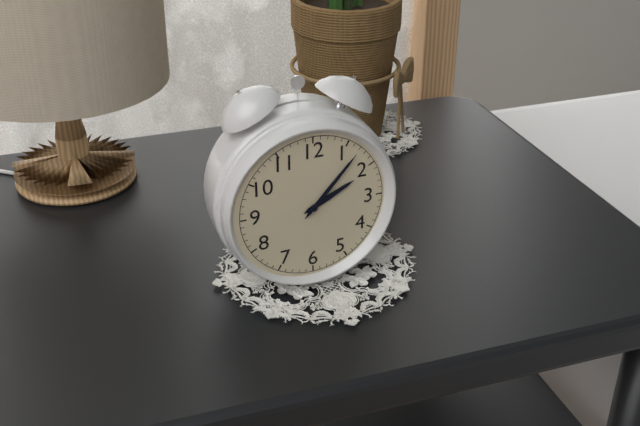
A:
2 h 07 min
